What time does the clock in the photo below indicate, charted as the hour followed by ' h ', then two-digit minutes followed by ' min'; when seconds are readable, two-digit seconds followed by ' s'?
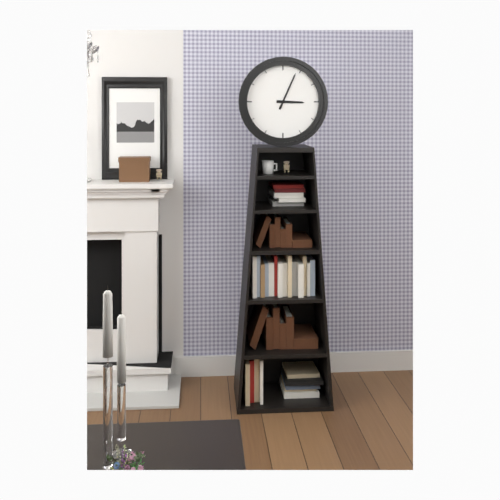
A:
3 h 04 min
